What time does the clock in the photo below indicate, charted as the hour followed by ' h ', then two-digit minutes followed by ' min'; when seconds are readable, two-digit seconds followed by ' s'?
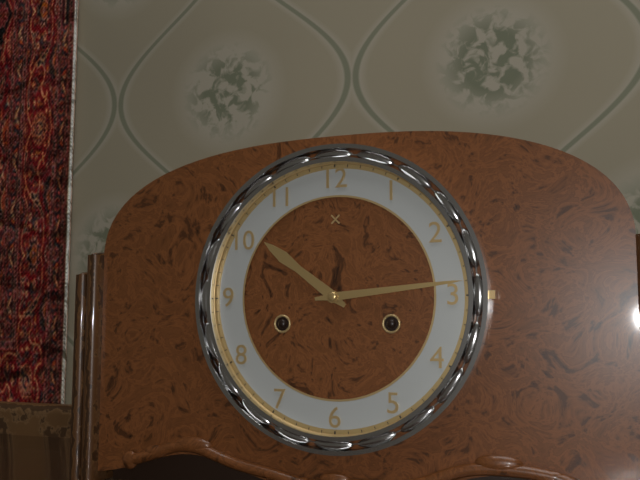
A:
10 h 14 min
